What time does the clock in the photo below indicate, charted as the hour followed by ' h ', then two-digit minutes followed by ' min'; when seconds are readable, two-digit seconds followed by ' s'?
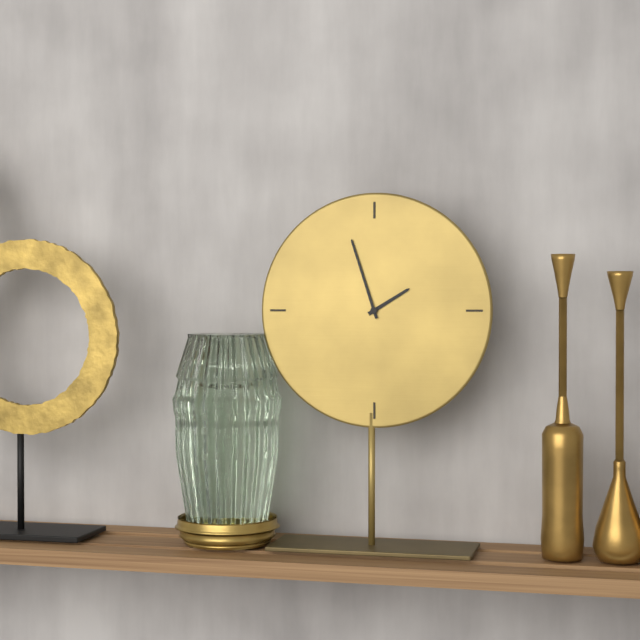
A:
1 h 57 min
